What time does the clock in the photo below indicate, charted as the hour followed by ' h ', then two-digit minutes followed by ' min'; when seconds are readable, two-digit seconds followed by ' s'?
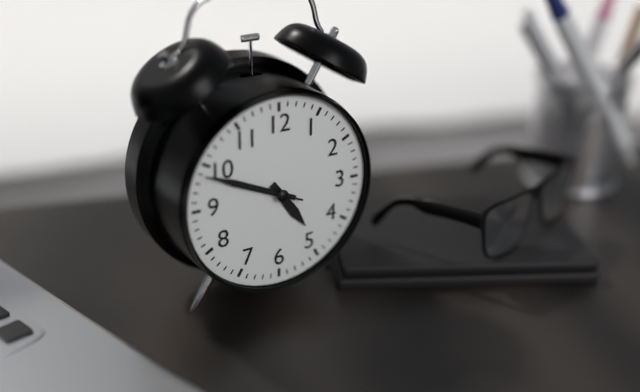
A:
4 h 49 min 49 s
